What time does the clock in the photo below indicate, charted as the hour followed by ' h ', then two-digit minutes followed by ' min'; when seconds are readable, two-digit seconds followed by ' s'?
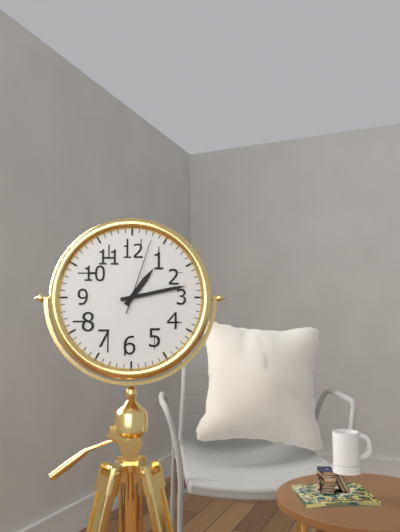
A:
1 h 13 min 03 s
